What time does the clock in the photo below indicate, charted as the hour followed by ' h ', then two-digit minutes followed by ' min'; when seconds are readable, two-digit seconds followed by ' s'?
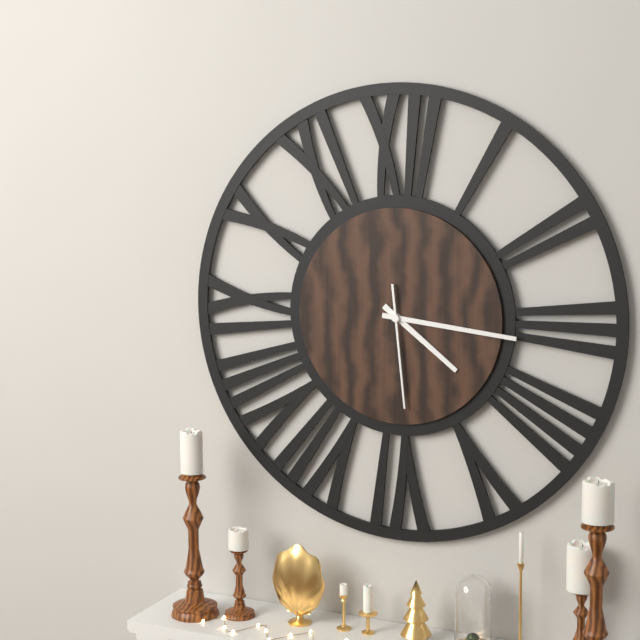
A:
4 h 16 min 29 s
